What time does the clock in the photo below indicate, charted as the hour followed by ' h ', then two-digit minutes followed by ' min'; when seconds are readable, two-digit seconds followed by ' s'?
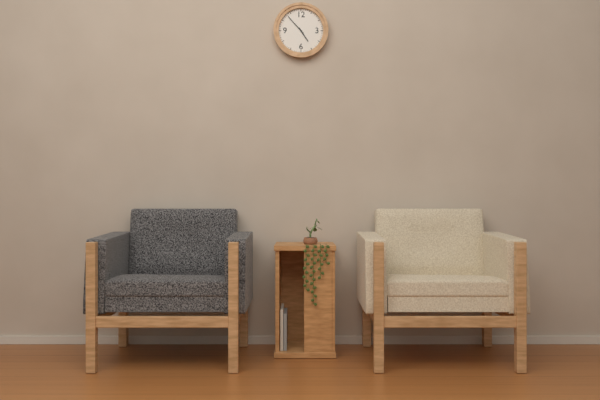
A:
4 h 53 min
